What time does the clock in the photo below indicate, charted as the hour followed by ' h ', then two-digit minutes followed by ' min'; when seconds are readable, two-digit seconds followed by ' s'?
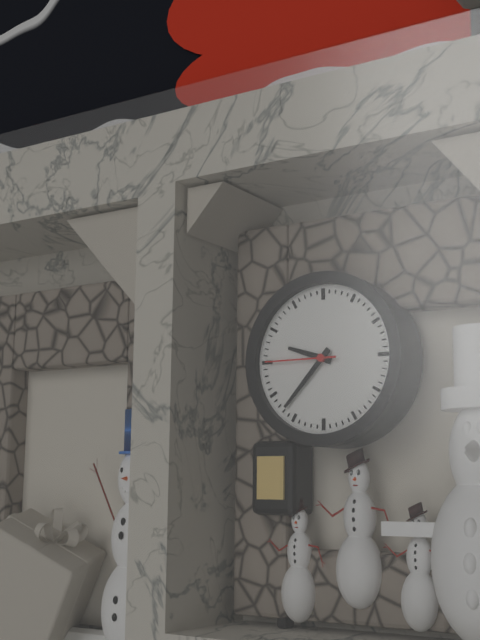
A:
9 h 37 min 45 s
